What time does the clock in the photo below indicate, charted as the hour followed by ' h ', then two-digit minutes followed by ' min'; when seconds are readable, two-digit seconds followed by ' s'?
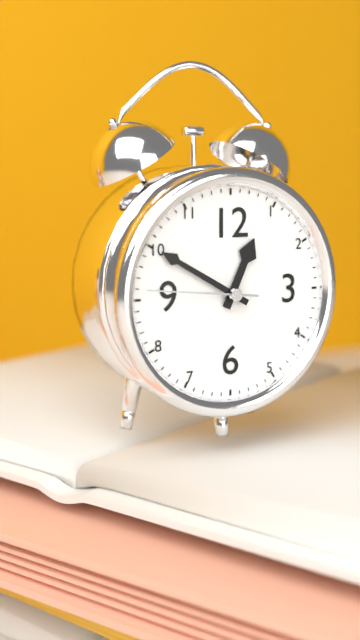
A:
12 h 50 min 46 s
